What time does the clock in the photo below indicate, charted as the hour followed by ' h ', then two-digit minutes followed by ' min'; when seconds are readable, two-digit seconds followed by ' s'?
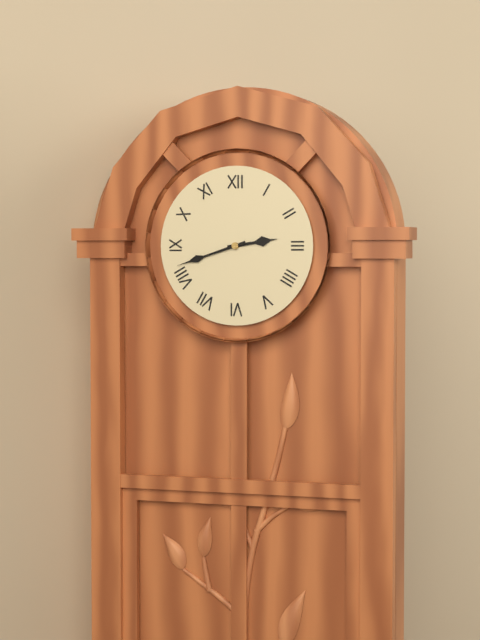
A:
2 h 42 min
